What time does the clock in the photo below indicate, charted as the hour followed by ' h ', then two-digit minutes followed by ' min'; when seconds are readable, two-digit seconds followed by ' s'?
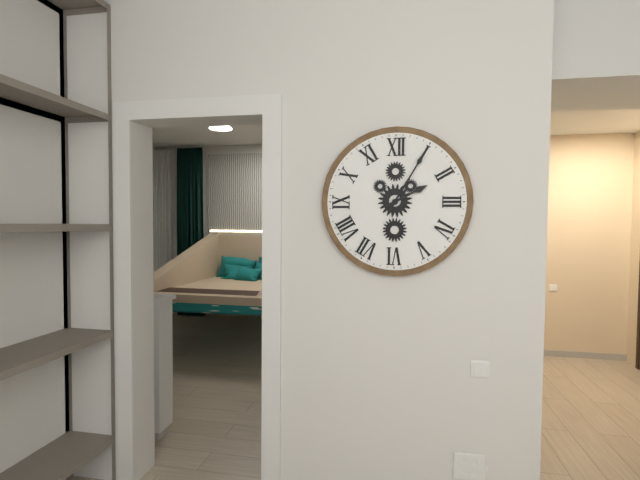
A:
2 h 05 min
